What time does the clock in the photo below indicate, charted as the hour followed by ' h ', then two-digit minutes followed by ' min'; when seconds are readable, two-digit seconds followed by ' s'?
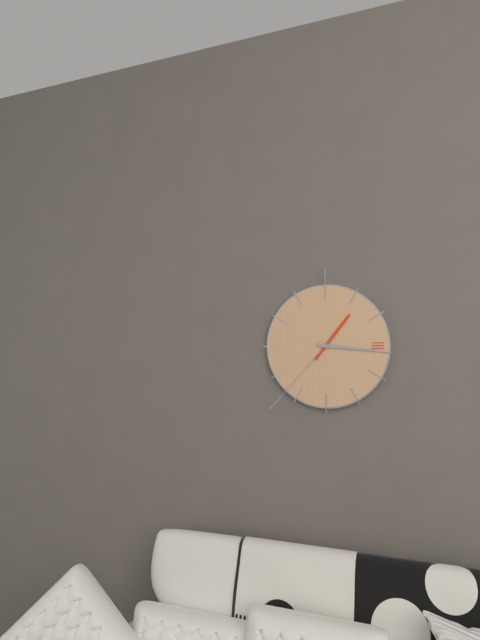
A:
1 h 16 min 37 s
